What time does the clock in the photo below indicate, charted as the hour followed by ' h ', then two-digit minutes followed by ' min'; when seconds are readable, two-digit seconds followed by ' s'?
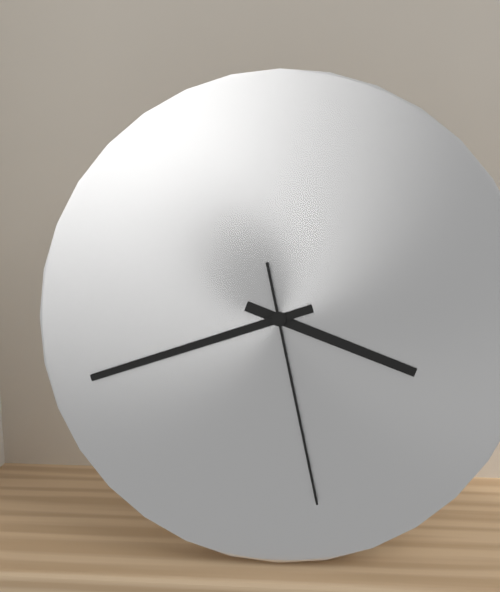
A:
3 h 42 min 28 s
